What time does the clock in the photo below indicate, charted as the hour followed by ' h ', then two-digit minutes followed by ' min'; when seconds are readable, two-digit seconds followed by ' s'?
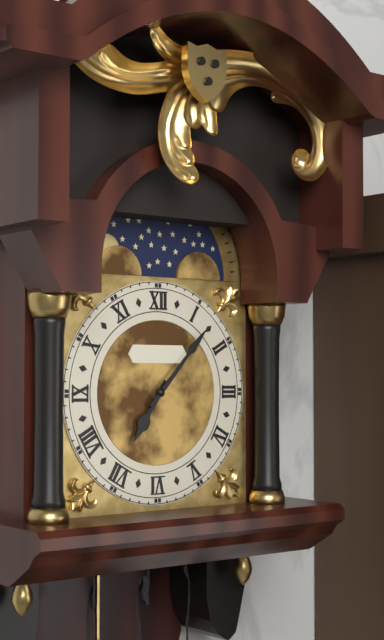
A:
7 h 07 min
